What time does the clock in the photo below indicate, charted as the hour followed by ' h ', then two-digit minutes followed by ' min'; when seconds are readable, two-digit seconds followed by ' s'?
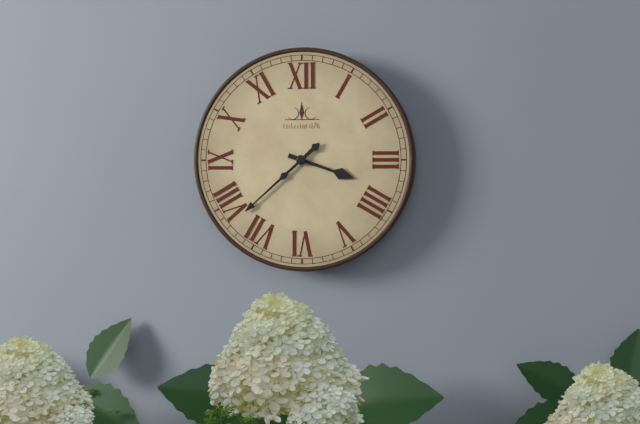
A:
3 h 38 min
